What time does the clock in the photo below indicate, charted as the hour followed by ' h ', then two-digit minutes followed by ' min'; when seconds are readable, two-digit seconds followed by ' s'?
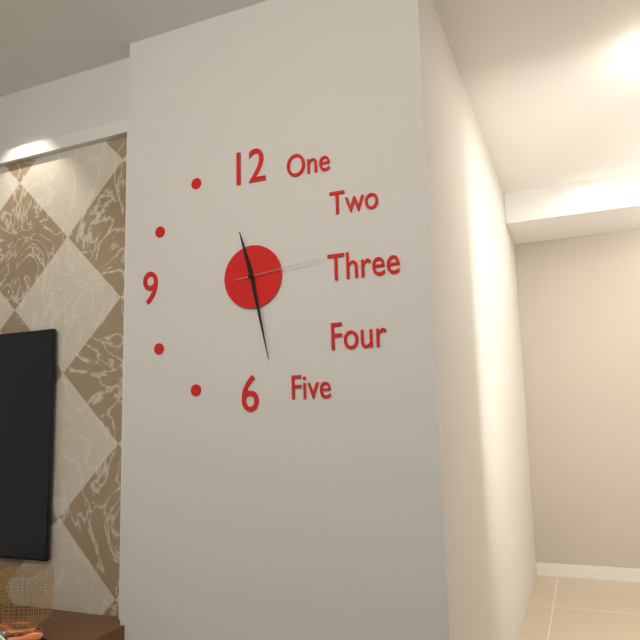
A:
11 h 28 min 14 s
